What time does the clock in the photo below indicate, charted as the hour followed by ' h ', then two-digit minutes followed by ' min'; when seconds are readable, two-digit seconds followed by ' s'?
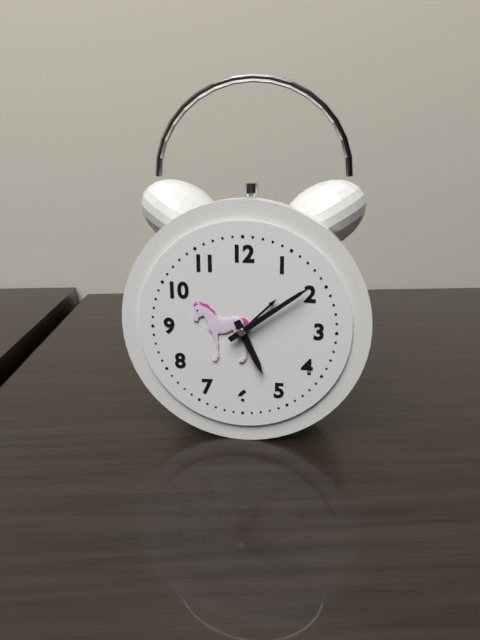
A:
5 h 09 min
